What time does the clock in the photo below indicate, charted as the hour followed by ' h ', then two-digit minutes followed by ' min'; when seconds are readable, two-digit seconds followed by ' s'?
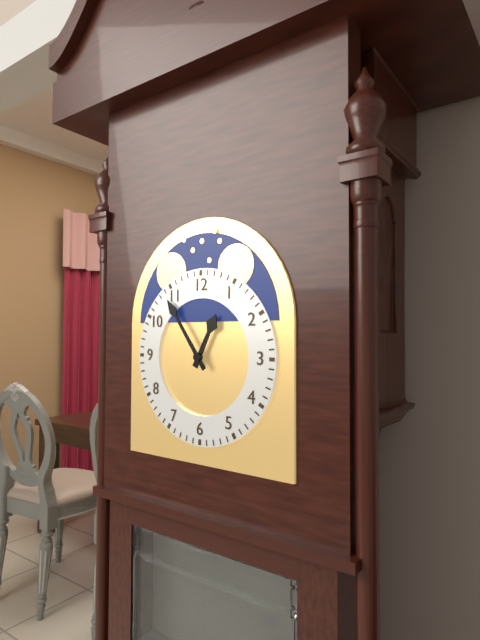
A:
12 h 54 min
